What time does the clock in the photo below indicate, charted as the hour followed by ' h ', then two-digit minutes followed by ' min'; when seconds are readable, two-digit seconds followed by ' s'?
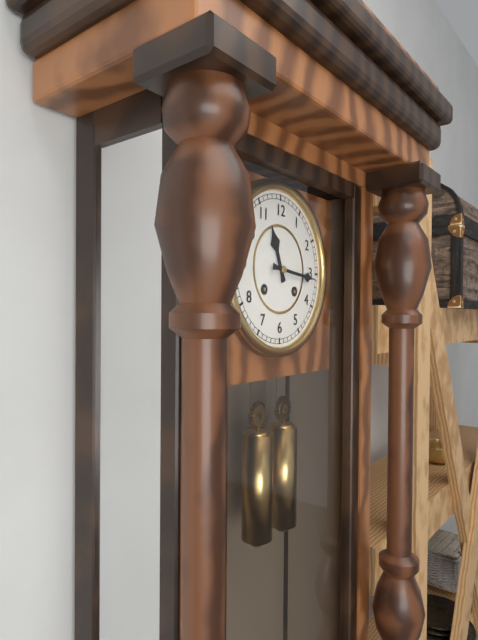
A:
11 h 16 min
